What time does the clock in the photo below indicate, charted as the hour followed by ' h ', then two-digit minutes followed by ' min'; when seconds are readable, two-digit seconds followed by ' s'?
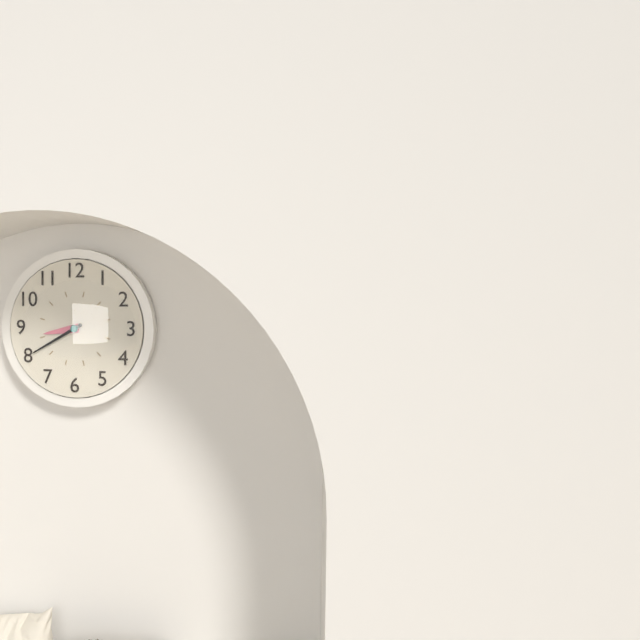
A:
8 h 40 min
